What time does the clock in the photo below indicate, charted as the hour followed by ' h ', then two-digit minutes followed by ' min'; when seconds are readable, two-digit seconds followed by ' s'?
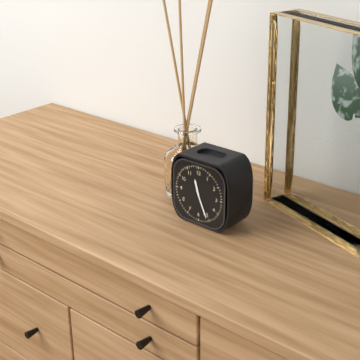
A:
11 h 26 min
